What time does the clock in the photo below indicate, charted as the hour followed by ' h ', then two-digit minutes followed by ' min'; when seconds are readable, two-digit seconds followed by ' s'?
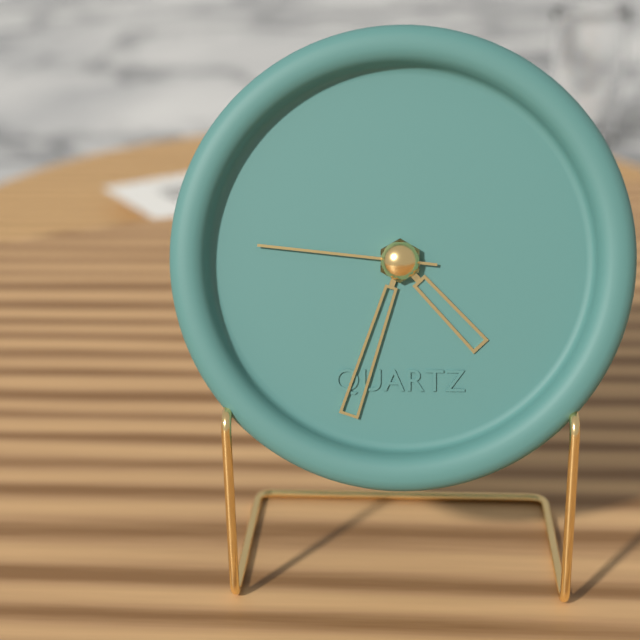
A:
4 h 33 min 46 s
